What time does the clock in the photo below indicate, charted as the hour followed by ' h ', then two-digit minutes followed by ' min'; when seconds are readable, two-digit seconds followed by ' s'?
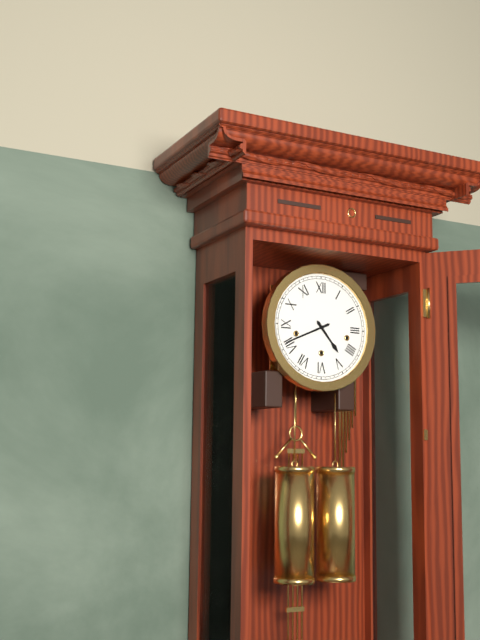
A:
4 h 41 min
